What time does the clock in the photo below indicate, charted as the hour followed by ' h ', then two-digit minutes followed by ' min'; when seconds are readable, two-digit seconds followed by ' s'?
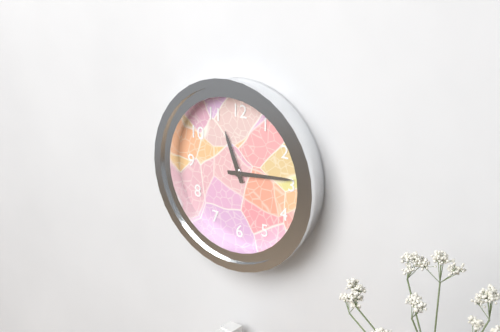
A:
11 h 14 min
